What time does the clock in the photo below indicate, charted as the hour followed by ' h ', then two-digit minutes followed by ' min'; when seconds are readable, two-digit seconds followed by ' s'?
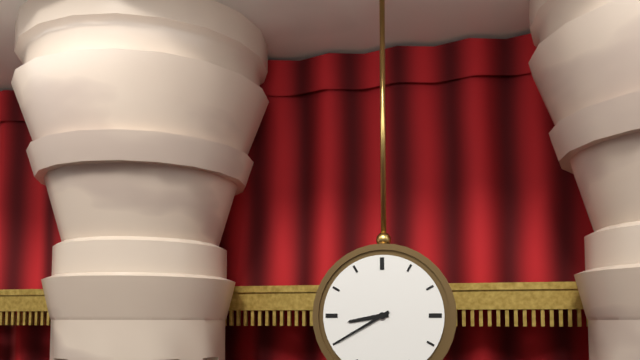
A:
8 h 40 min
